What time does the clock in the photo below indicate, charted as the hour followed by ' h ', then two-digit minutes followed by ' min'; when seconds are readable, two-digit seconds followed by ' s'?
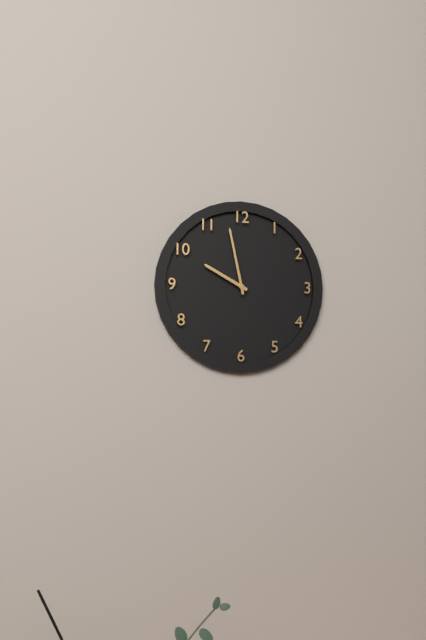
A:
9 h 58 min
